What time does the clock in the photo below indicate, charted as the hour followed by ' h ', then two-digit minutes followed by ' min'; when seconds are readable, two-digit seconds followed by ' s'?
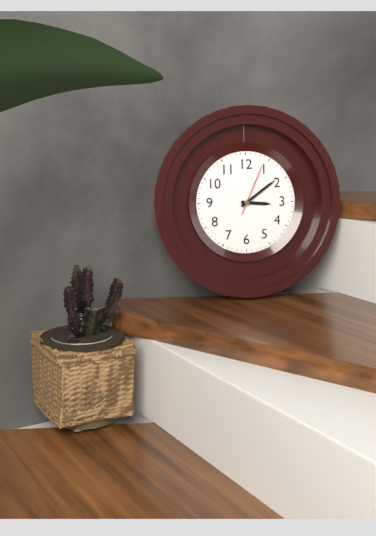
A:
3 h 09 min 04 s
